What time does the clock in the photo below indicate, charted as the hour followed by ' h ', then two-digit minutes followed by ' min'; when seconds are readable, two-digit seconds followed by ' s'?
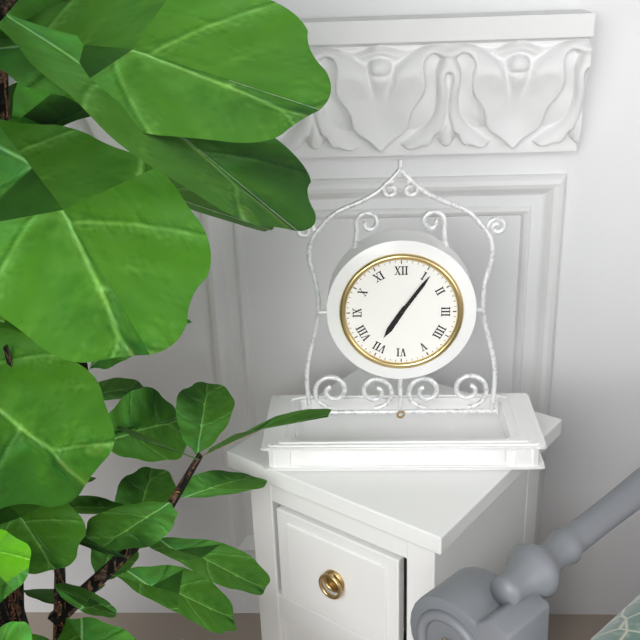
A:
7 h 06 min
